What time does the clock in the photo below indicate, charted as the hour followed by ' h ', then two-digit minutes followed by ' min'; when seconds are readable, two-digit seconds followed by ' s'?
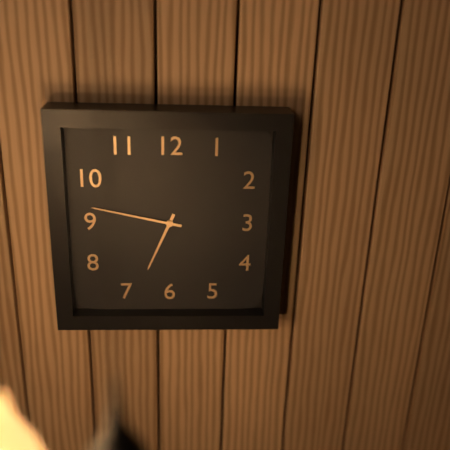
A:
6 h 47 min
